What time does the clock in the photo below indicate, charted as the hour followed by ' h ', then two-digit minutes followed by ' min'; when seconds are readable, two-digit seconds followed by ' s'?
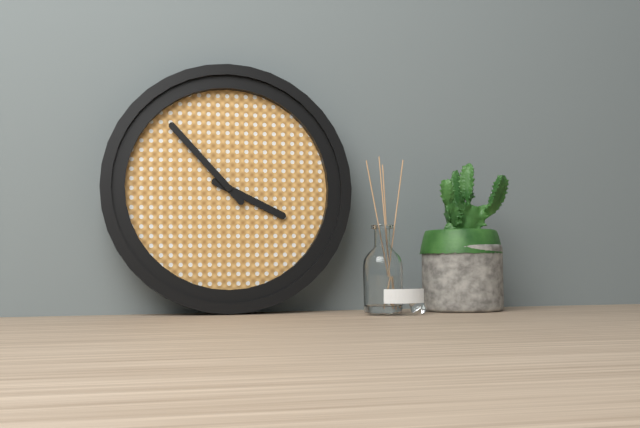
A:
3 h 53 min
